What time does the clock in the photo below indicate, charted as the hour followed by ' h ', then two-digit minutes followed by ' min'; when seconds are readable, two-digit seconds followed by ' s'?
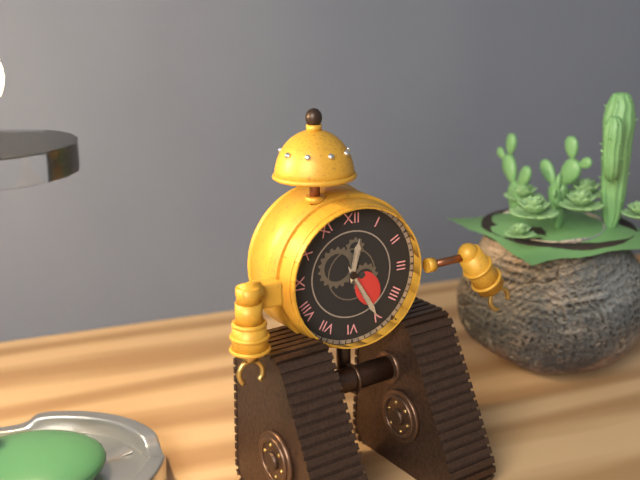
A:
12 h 25 min
